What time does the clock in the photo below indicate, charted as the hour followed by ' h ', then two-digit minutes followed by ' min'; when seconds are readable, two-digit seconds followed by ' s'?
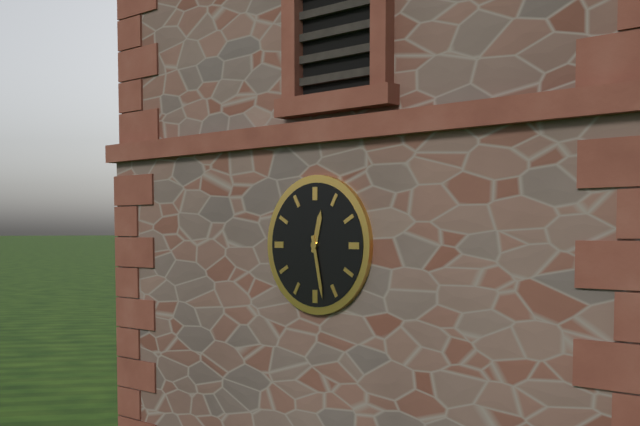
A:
12 h 28 min
